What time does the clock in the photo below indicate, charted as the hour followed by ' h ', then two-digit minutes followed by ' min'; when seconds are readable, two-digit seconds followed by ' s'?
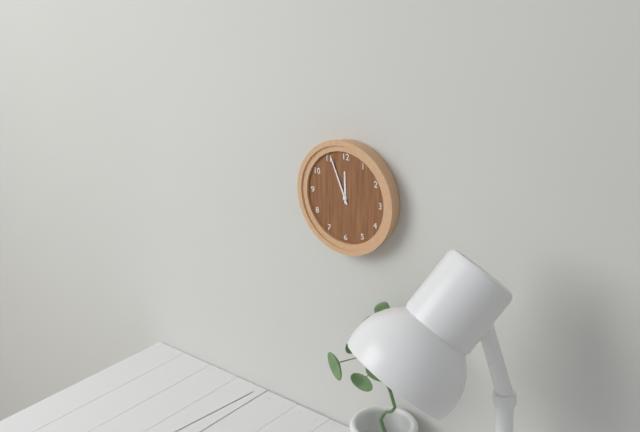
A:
11 h 56 min
